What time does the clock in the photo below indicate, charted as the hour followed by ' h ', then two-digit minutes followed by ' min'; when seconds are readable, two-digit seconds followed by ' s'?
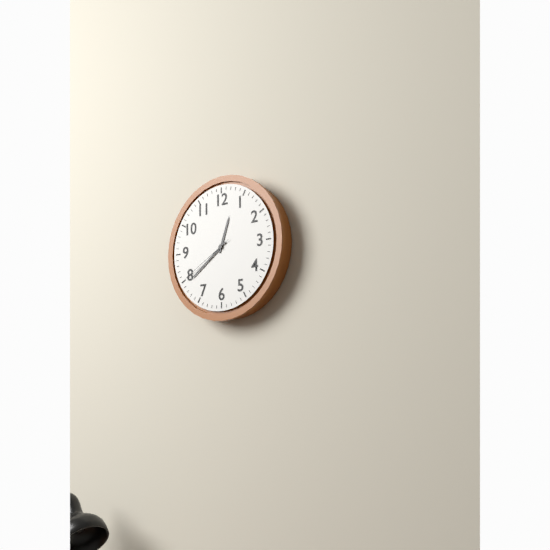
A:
12 h 39 min 40 s
